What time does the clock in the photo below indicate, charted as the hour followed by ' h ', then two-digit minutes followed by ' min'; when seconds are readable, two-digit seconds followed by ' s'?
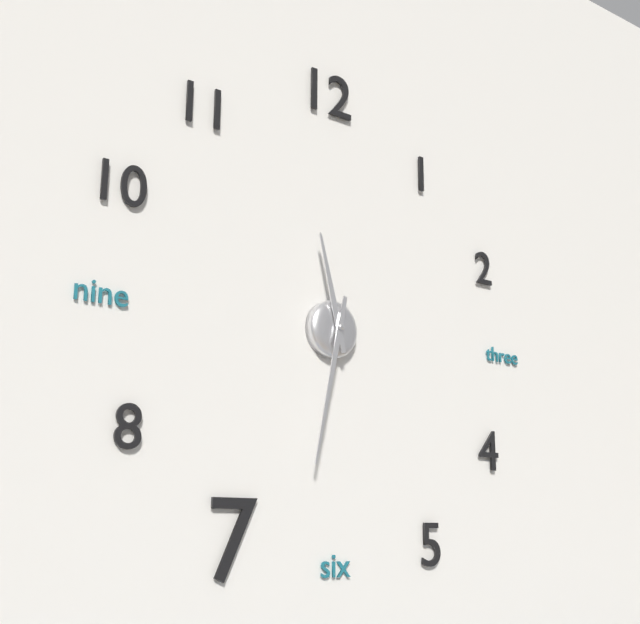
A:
11 h 32 min
